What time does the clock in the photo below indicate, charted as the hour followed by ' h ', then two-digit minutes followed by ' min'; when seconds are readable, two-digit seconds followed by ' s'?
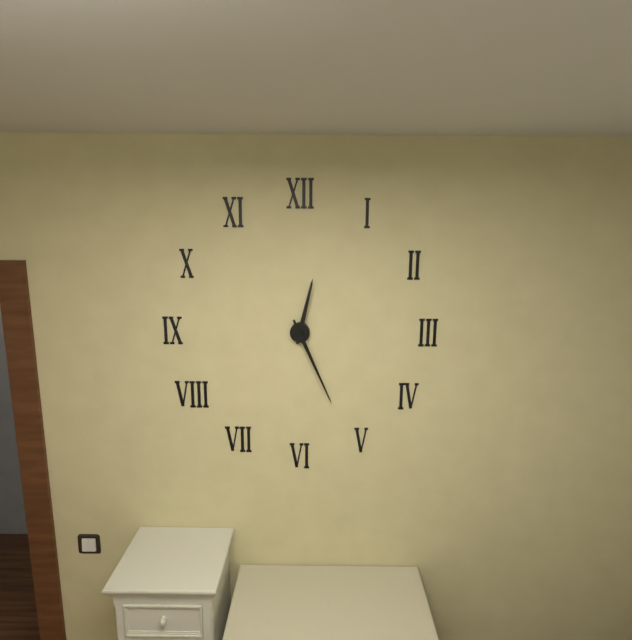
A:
12 h 26 min
